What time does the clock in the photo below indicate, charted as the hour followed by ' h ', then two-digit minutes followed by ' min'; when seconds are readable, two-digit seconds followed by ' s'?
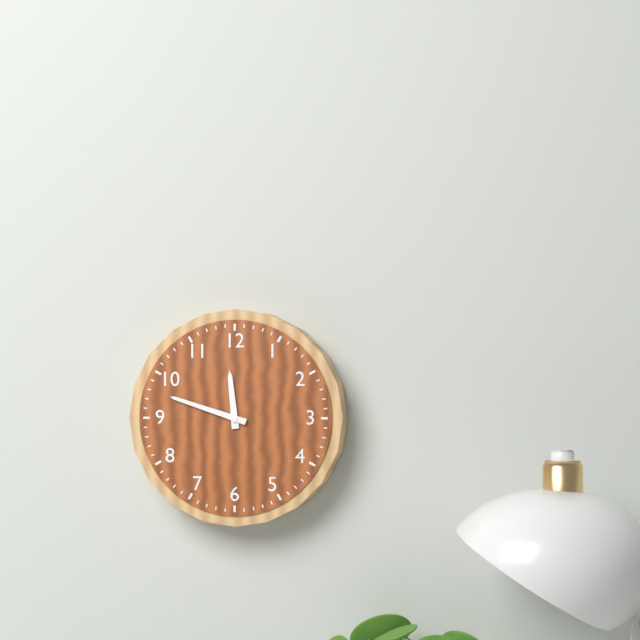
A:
11 h 48 min
